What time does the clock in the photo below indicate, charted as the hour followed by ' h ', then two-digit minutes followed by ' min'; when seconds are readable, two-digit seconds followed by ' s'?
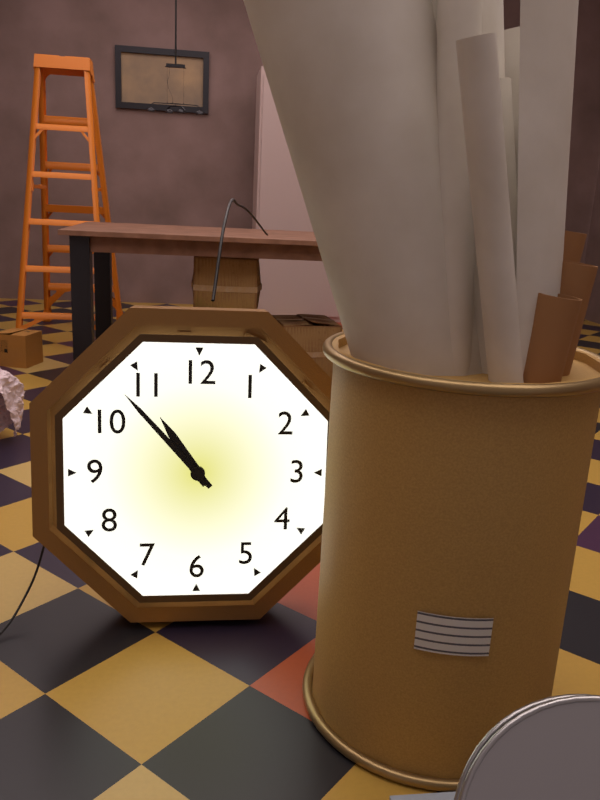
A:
10 h 53 min
